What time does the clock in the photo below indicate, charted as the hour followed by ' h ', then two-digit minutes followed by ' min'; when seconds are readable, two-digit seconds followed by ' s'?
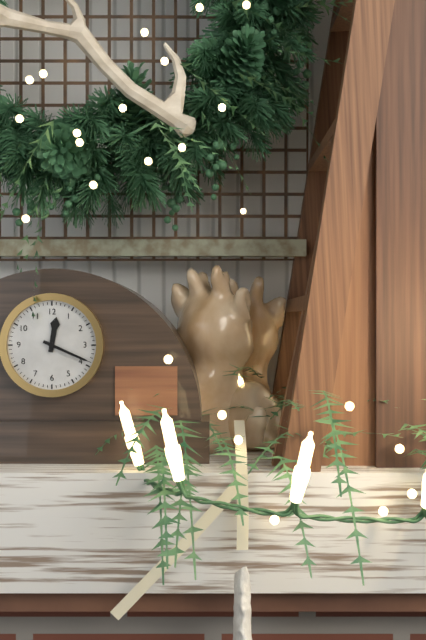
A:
12 h 19 min
